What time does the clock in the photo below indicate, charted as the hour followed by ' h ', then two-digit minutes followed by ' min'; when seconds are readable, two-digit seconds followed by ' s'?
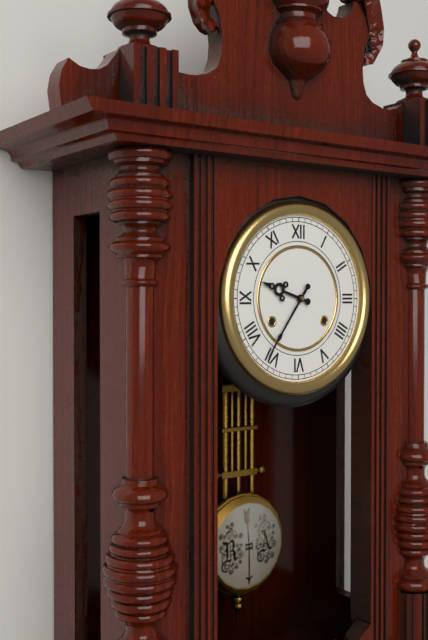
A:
9 h 36 min
